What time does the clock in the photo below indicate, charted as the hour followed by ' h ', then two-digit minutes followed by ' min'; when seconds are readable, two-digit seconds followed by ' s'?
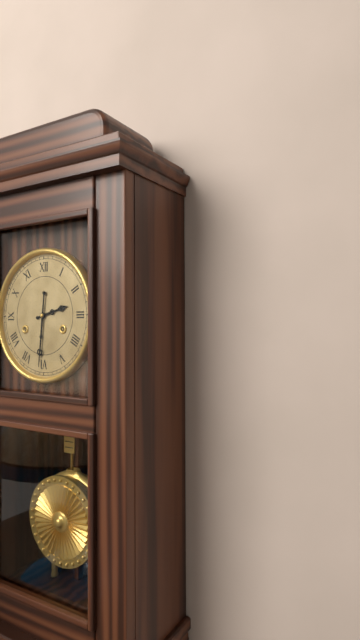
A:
2 h 31 min
